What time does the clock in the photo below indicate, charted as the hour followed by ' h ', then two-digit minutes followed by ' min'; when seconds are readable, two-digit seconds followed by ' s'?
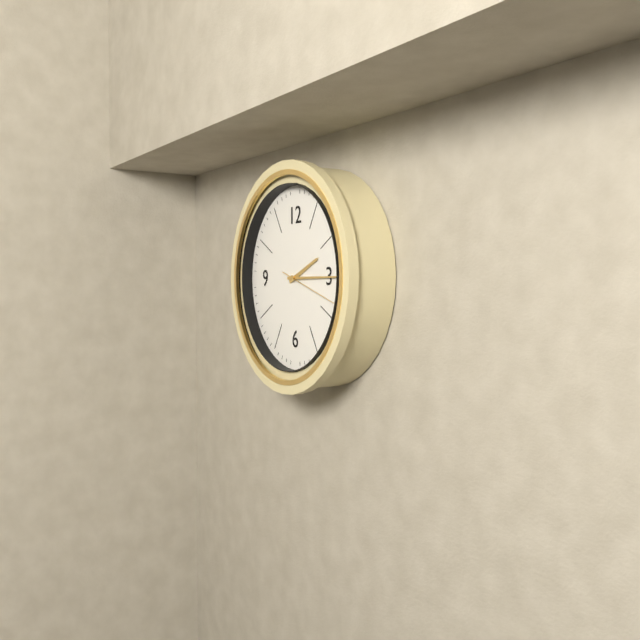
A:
2 h 15 min 18 s
